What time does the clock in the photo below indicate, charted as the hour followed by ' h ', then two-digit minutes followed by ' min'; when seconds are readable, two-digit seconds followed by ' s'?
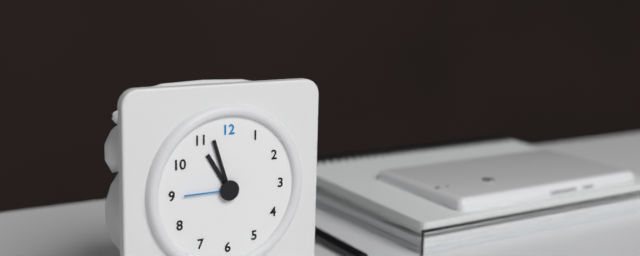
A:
10 h 57 min 45 s
